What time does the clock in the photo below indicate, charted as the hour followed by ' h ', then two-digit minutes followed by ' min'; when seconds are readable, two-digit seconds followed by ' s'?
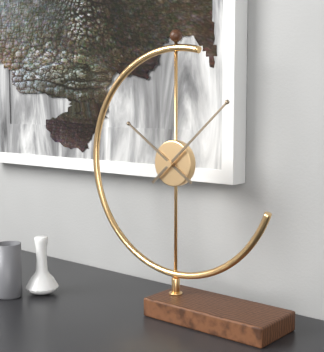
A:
10 h 08 min
